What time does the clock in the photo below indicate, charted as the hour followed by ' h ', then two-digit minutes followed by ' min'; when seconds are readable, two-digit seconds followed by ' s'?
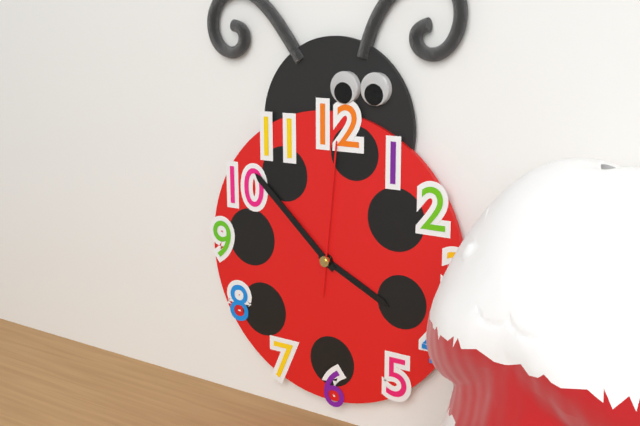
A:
3 h 52 min 01 s
